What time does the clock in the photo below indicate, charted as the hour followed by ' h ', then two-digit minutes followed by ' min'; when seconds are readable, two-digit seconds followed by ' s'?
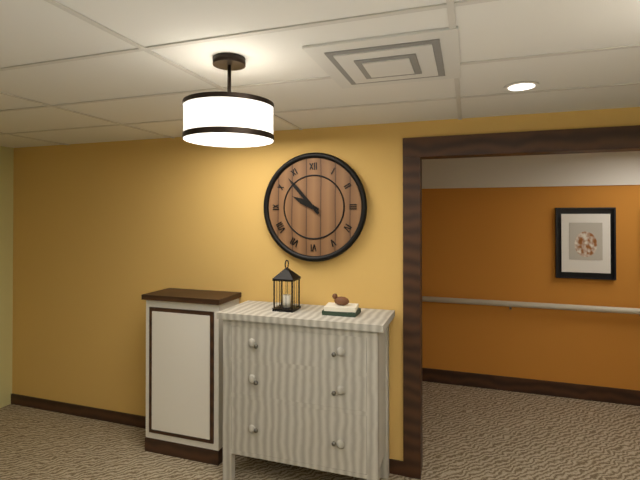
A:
9 h 53 min
